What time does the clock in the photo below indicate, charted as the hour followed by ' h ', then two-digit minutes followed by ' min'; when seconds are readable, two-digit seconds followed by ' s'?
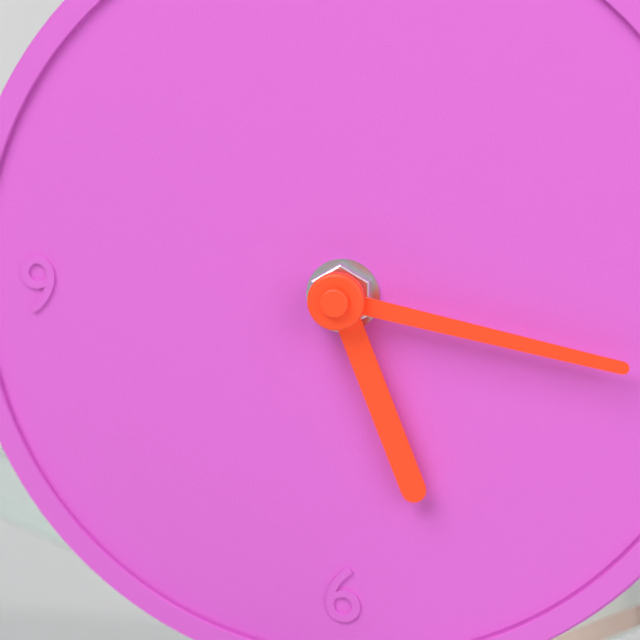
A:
5 h 17 min
